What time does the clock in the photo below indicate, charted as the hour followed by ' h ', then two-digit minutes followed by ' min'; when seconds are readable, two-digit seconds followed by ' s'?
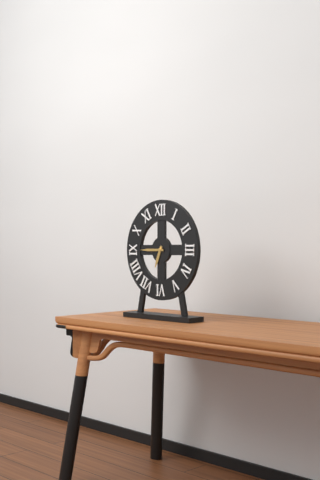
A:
6 h 45 min
